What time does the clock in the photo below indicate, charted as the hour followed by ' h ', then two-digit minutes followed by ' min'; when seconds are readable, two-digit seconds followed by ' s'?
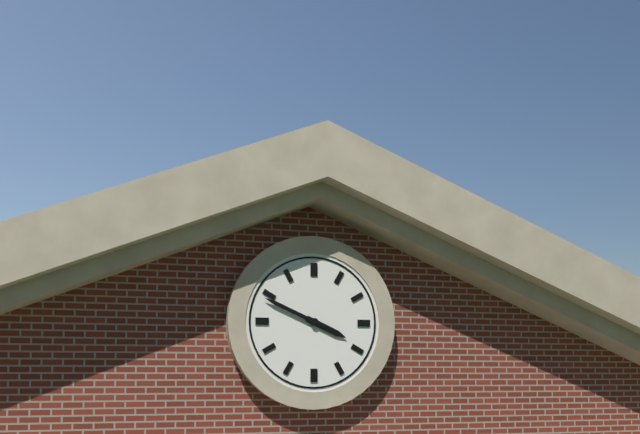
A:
3 h 49 min
